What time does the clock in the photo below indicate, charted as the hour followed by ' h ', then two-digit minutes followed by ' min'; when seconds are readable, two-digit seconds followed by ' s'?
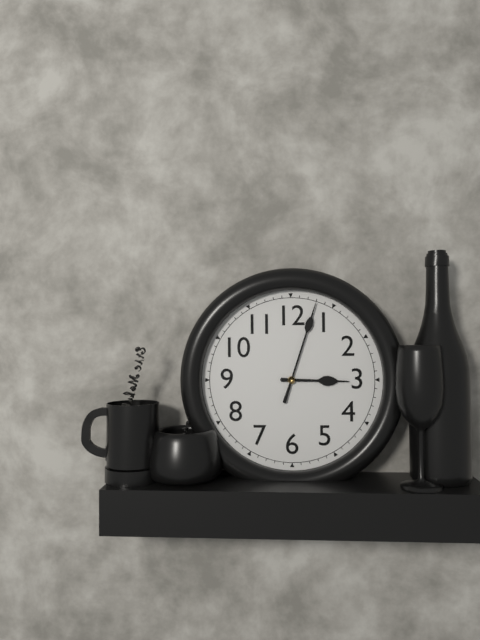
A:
3 h 03 min
